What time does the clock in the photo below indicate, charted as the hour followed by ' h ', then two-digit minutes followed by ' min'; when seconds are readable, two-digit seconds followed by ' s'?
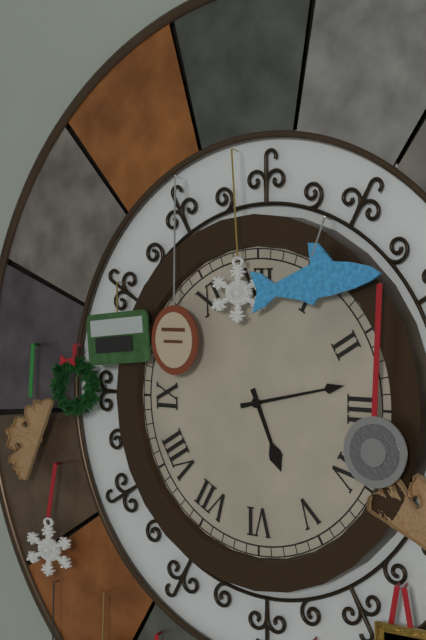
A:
5 h 13 min
